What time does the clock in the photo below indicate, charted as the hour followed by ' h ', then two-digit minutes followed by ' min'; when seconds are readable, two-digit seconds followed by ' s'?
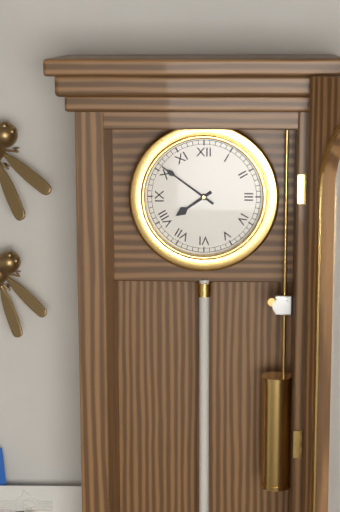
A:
7 h 51 min
